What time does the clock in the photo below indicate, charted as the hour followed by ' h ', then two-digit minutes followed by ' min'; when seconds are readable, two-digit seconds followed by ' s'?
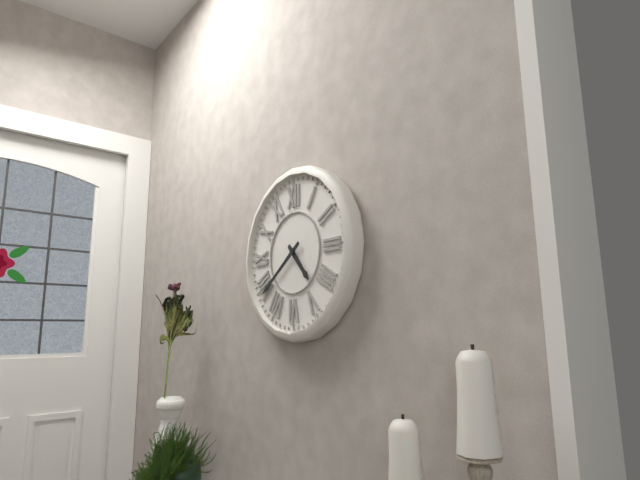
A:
4 h 39 min
